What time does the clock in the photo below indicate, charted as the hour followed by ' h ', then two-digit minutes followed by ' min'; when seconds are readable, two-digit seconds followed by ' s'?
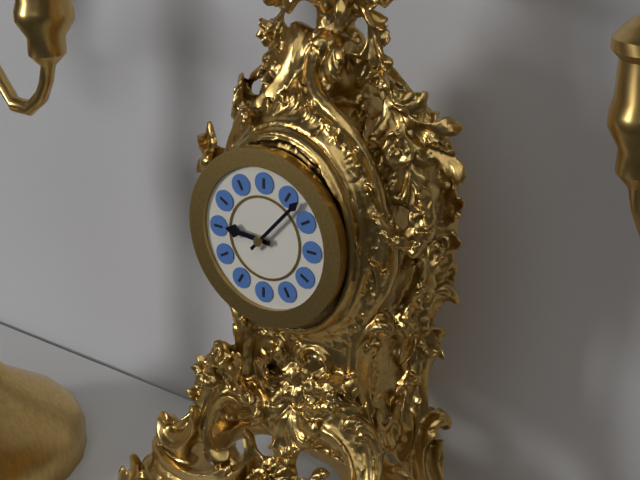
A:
9 h 07 min
